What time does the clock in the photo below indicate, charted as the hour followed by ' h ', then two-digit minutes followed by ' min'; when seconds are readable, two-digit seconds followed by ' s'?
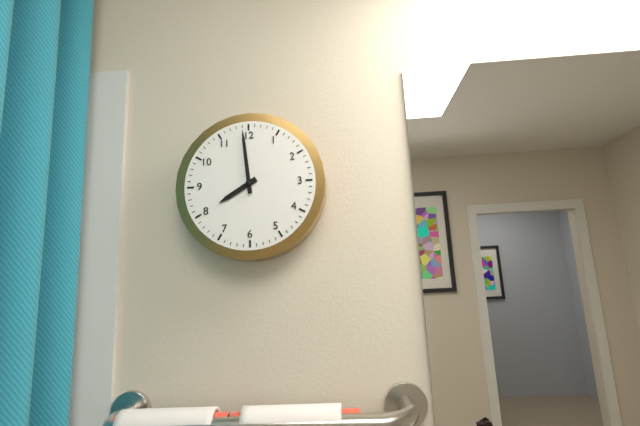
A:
7 h 59 min
